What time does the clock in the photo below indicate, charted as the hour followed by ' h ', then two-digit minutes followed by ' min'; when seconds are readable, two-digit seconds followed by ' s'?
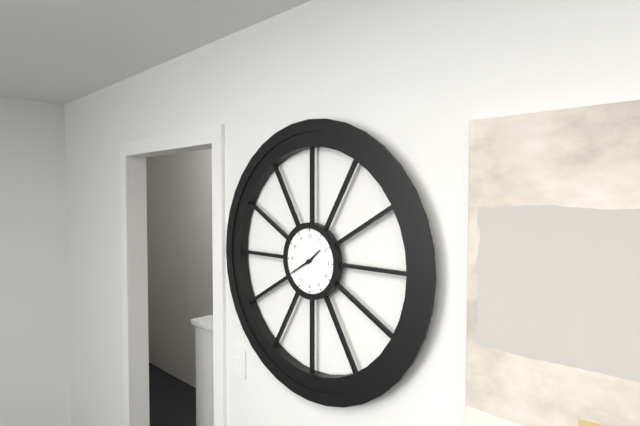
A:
1 h 40 min
